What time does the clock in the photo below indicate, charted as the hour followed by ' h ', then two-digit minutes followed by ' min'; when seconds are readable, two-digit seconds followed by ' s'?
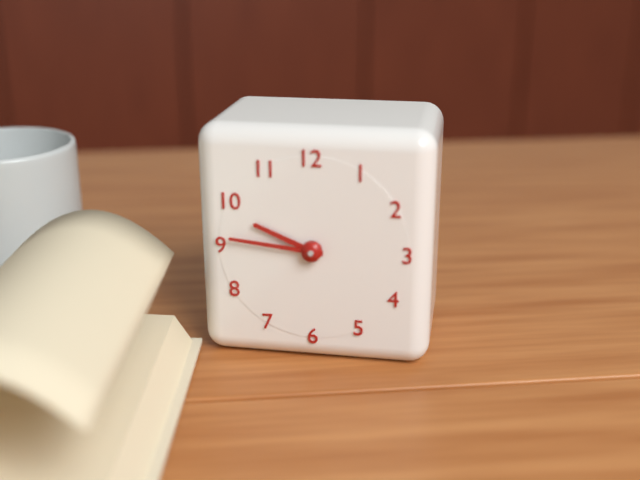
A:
9 h 46 min
